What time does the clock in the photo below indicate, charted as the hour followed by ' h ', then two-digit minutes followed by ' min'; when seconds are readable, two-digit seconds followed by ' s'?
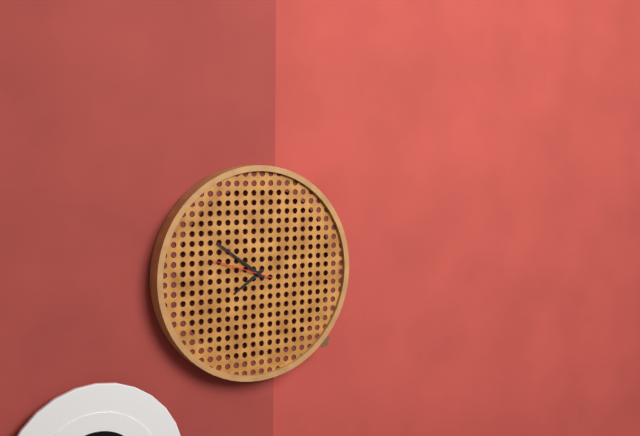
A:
7 h 51 min
